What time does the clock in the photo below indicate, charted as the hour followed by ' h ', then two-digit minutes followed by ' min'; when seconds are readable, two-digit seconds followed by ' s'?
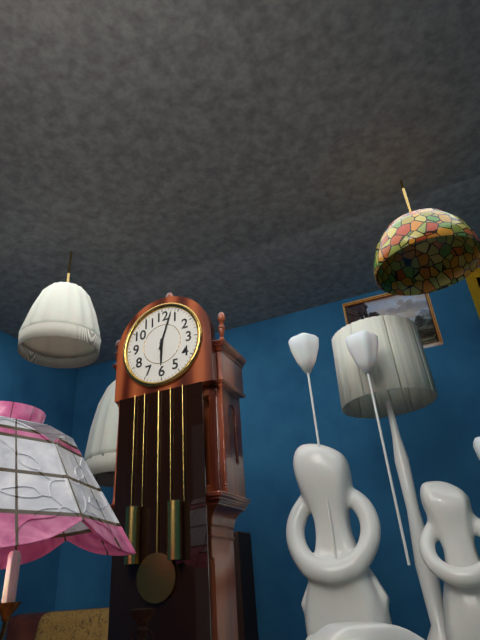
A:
6 h 03 min
